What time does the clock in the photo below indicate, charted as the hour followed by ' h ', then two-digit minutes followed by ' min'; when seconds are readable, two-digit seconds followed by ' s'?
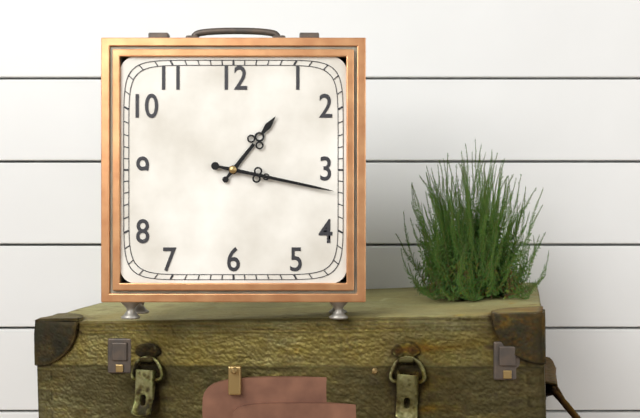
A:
1 h 17 min
